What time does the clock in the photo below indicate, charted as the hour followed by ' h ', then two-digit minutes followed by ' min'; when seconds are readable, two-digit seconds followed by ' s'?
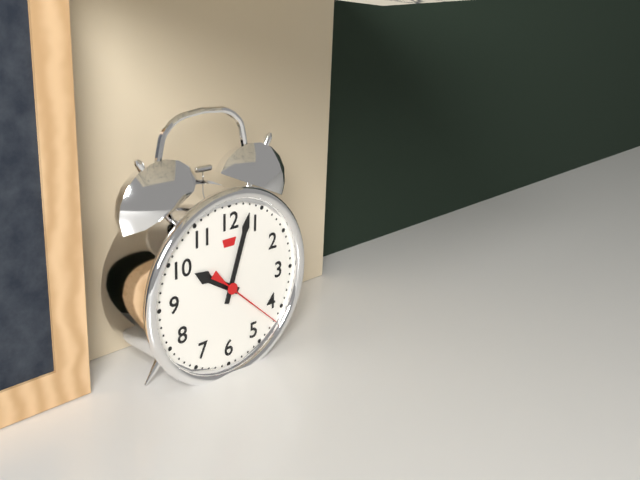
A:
10 h 03 min 22 s
